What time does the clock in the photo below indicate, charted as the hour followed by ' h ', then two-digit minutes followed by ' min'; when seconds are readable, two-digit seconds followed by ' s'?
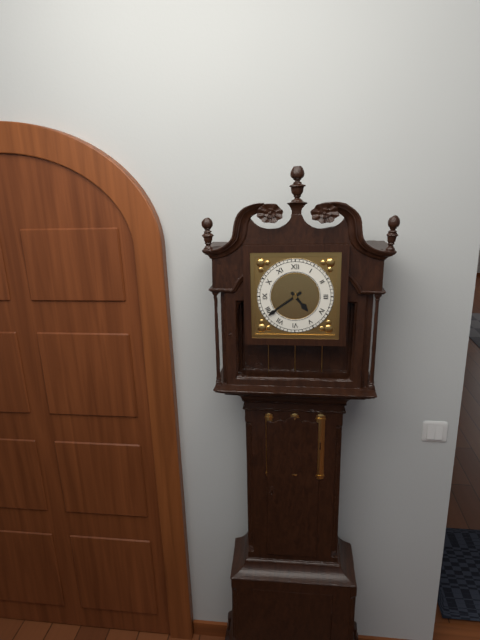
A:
4 h 39 min
